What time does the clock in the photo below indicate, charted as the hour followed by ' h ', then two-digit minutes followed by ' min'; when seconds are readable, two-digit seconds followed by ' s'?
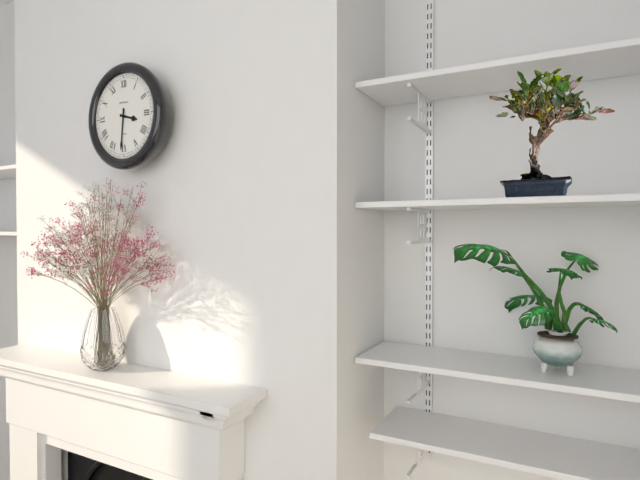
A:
3 h 31 min
